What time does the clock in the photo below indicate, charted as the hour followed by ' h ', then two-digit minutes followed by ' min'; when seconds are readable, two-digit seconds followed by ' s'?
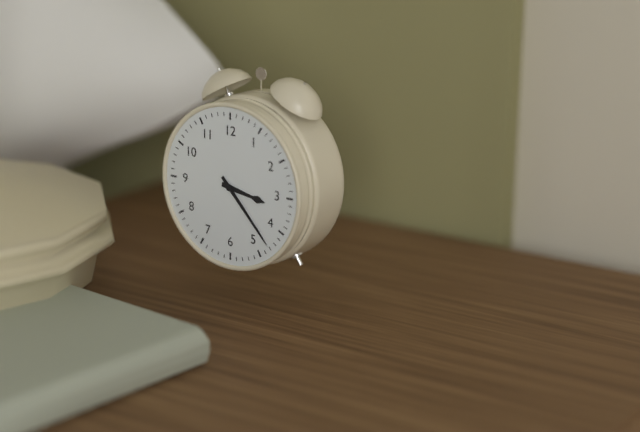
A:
3 h 23 min
